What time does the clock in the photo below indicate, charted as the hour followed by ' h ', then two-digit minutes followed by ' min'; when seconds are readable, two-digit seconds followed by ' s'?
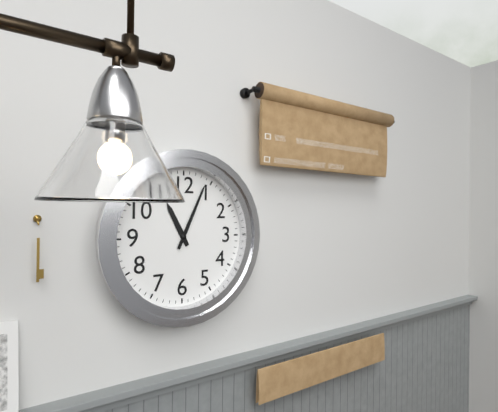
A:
11 h 04 min
